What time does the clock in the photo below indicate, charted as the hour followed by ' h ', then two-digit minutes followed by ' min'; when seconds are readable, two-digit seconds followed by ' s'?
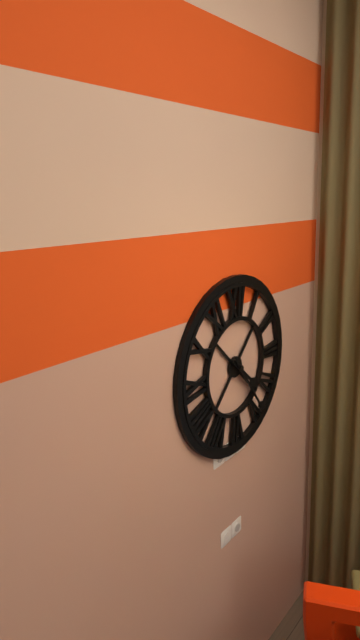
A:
4 h 24 min
